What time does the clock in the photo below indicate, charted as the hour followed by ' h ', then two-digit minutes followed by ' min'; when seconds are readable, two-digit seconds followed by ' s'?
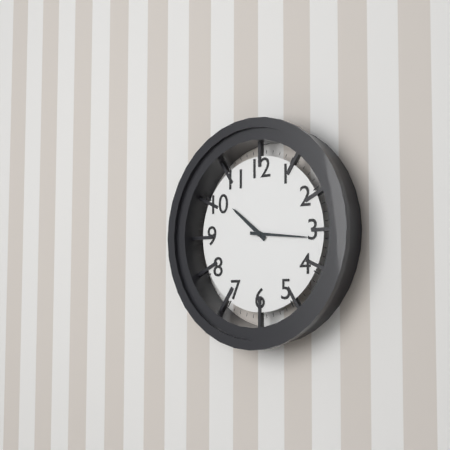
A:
10 h 16 min
